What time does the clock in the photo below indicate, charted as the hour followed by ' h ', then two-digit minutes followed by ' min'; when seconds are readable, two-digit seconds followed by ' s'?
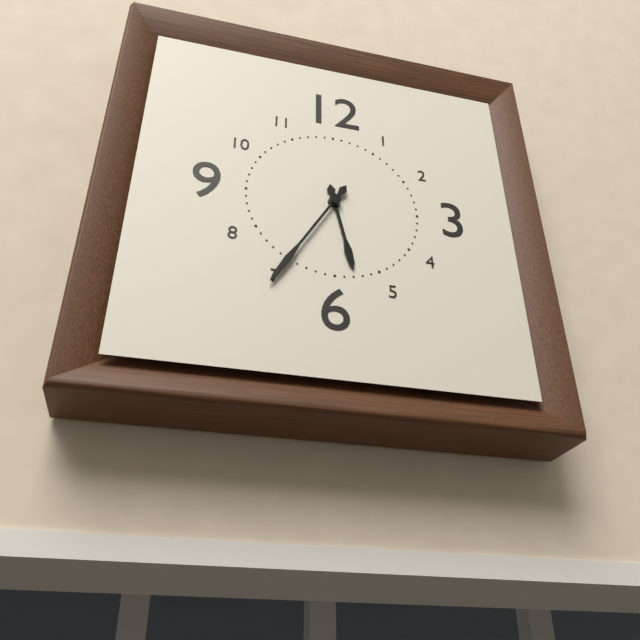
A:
5 h 35 min
